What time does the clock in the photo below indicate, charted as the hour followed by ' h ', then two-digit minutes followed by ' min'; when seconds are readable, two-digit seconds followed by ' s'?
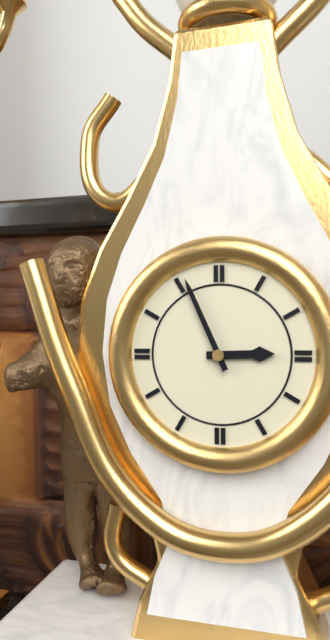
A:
2 h 56 min
